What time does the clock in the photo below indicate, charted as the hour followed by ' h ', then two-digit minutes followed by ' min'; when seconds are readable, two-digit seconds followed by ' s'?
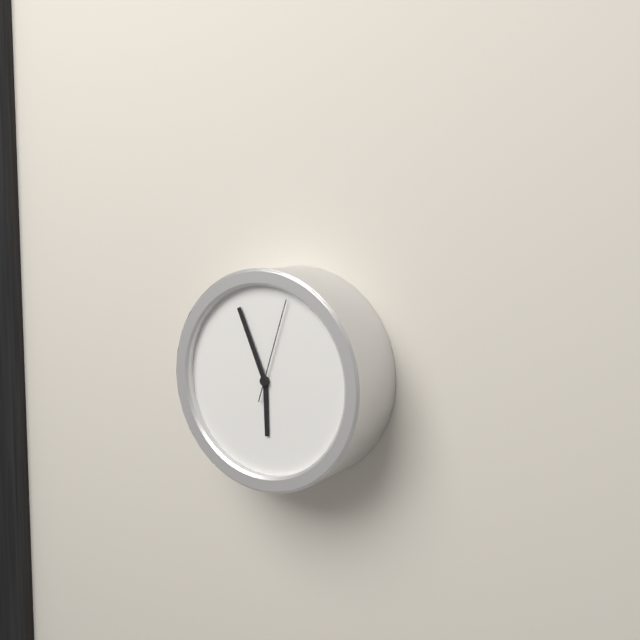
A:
5 h 56 min 03 s
